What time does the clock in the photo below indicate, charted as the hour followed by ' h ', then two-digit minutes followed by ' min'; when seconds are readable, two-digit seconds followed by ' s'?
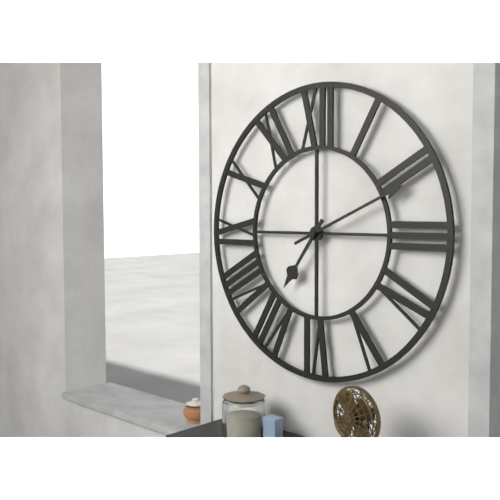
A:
7 h 11 min
